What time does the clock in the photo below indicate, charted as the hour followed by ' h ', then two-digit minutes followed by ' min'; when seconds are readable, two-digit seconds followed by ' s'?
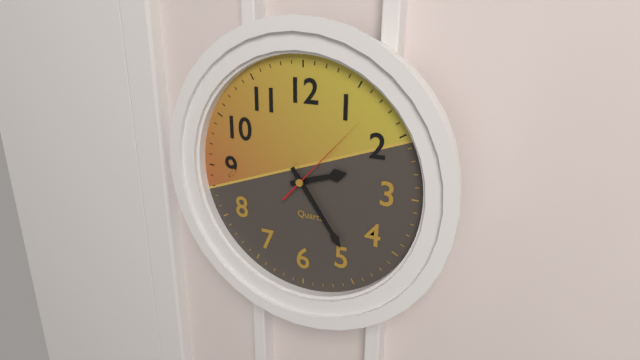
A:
2 h 24 min 07 s
